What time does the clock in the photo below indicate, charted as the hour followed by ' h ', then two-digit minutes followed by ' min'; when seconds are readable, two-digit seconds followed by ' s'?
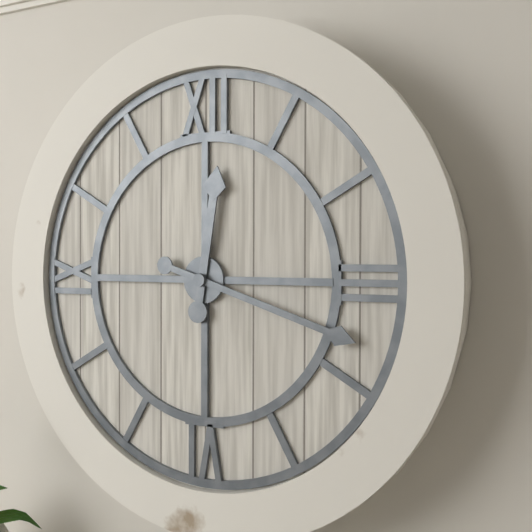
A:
12 h 18 min
